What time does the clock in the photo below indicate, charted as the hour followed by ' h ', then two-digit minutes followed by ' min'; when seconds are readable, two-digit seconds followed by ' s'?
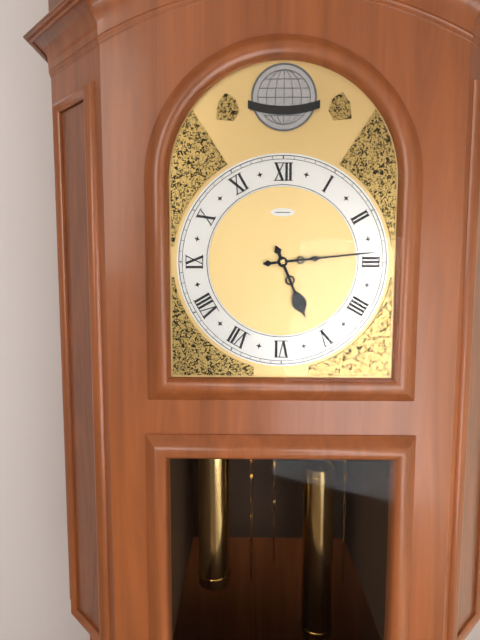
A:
5 h 14 min
